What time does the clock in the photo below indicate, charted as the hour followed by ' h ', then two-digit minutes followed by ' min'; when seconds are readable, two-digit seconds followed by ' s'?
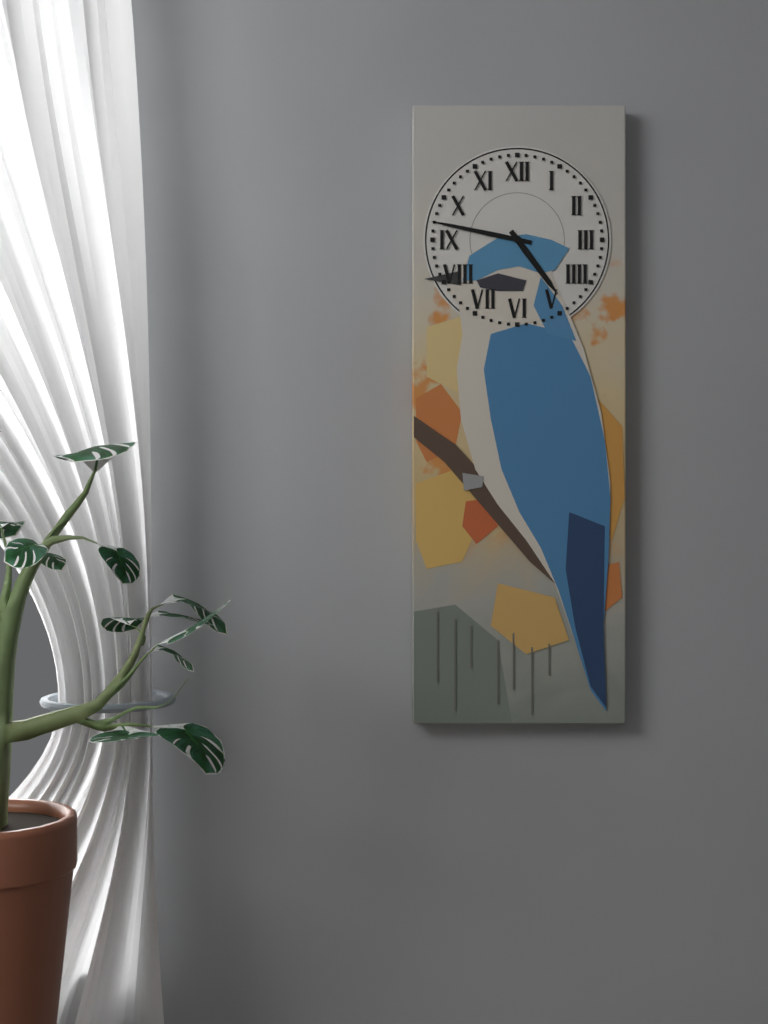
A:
4 h 47 min
